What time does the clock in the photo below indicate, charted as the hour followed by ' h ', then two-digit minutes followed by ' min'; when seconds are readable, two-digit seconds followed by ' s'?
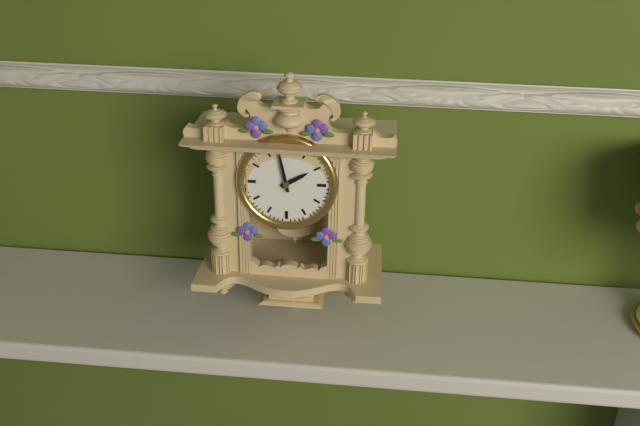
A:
1 h 58 min
